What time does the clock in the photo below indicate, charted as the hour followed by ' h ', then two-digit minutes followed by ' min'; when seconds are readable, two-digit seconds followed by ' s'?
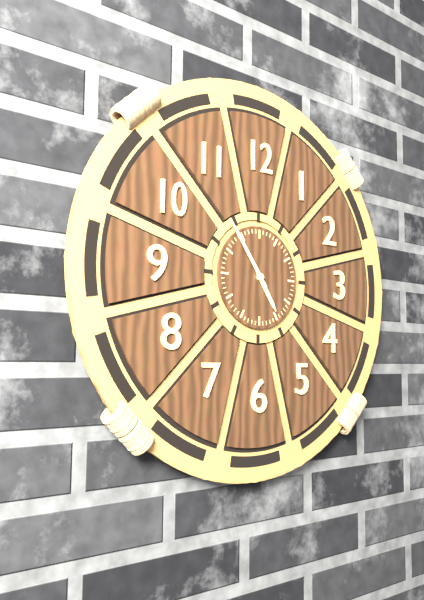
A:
4 h 54 min
